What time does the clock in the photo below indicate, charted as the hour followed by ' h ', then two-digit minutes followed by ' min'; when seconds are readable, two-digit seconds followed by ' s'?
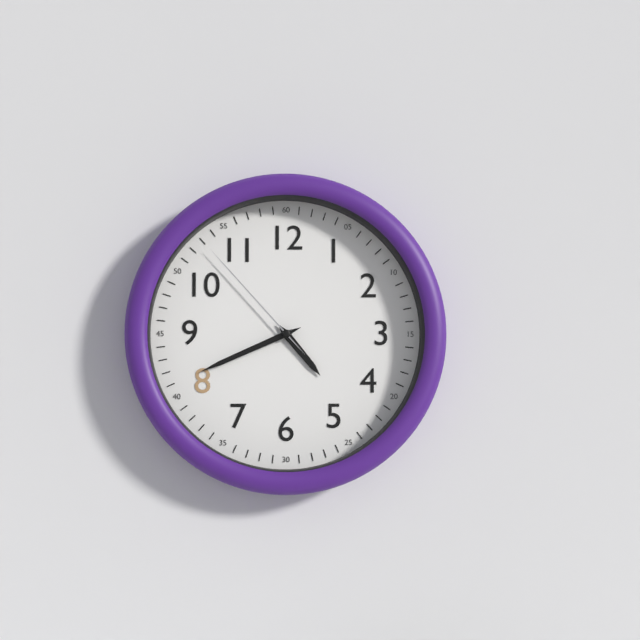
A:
4 h 41 min 53 s
